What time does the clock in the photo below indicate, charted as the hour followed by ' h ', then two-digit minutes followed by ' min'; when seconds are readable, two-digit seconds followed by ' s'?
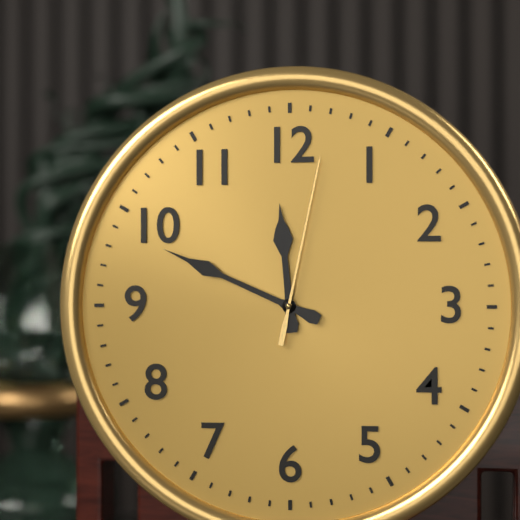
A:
11 h 49 min 02 s
